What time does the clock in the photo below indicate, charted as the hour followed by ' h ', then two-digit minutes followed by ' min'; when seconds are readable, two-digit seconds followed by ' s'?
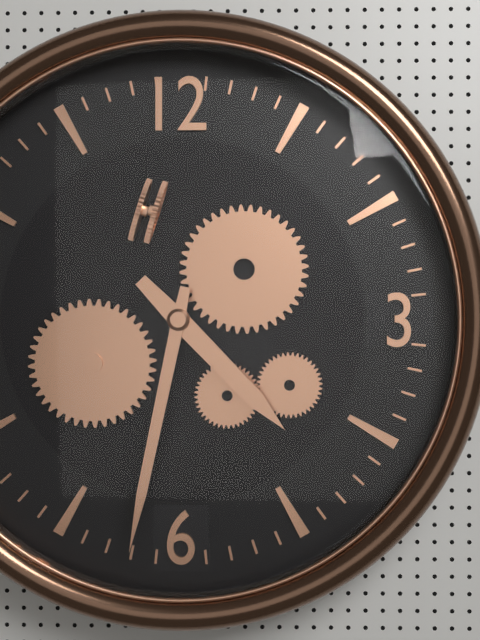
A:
4 h 32 min
